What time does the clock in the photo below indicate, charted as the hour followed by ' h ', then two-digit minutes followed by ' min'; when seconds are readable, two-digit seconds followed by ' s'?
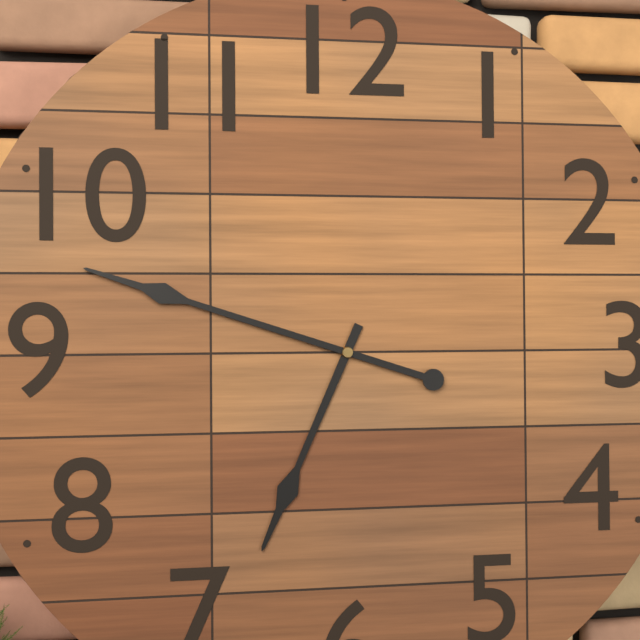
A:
6 h 48 min
